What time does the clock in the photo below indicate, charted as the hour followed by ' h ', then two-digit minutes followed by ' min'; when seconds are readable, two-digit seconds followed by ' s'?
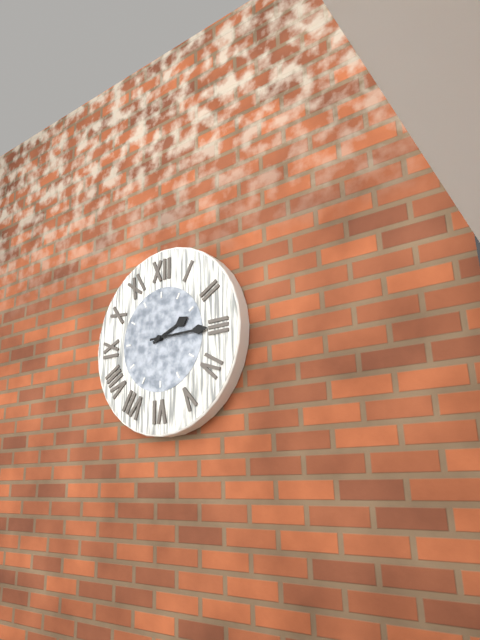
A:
2 h 15 min
